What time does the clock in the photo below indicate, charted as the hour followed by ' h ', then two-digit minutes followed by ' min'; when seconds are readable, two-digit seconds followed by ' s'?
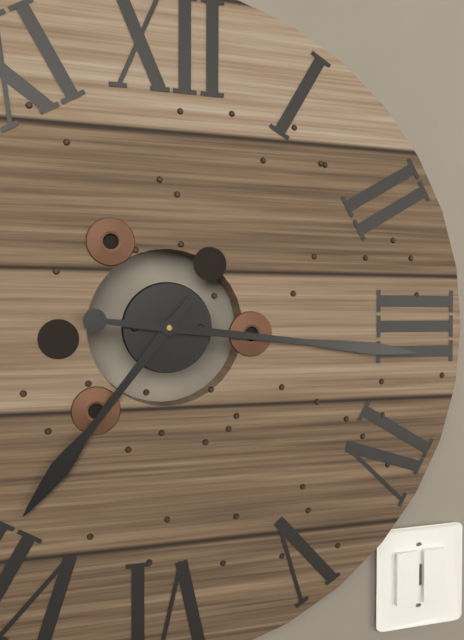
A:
7 h 16 min
